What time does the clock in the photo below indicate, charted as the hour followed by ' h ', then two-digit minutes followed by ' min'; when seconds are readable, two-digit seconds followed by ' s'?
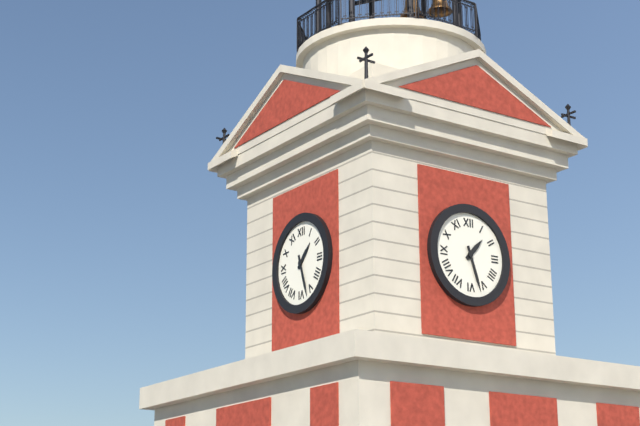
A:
1 h 27 min
